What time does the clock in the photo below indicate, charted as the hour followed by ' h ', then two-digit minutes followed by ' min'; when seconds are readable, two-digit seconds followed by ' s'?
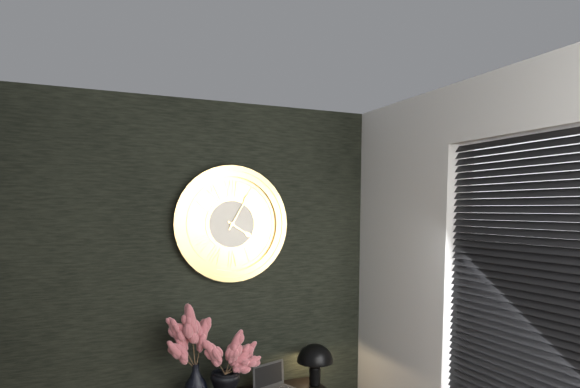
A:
4 h 05 min
